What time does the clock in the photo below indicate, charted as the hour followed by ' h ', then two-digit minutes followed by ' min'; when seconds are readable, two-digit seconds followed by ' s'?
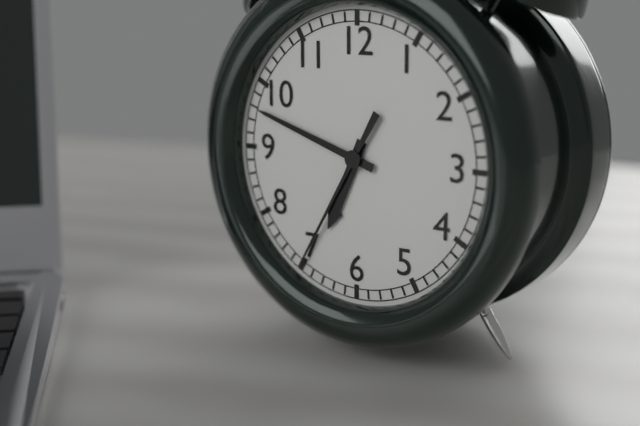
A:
6 h 48 min 35 s
